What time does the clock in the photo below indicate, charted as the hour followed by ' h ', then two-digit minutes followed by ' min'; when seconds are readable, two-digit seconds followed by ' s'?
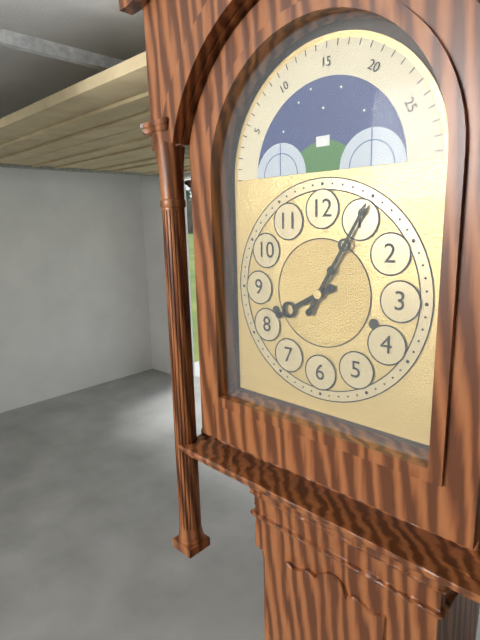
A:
8 h 05 min
